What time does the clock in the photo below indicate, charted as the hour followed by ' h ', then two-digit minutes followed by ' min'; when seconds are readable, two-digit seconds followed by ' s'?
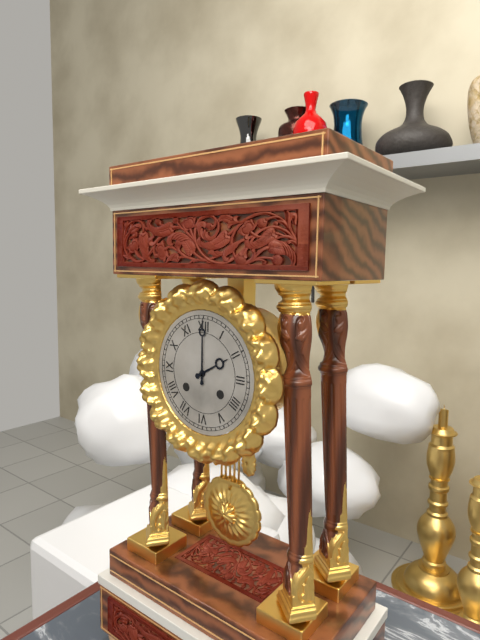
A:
2 h 00 min
